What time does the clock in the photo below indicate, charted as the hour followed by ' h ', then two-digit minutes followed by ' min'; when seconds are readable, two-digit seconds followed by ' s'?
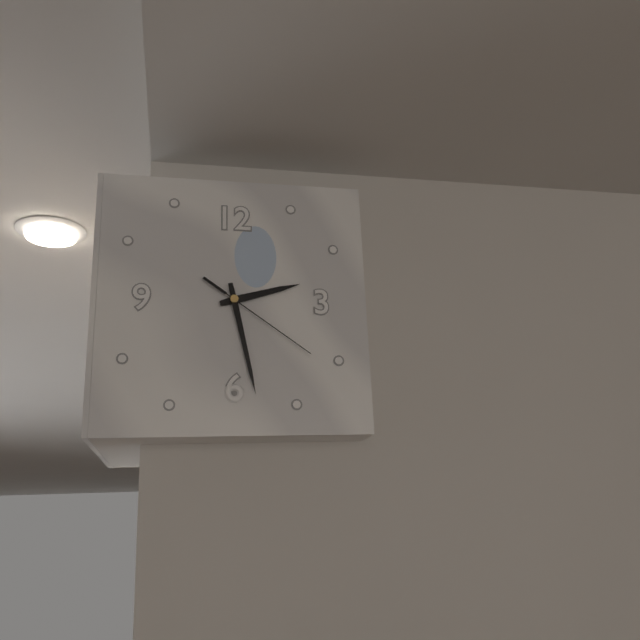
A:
2 h 28 min 21 s
